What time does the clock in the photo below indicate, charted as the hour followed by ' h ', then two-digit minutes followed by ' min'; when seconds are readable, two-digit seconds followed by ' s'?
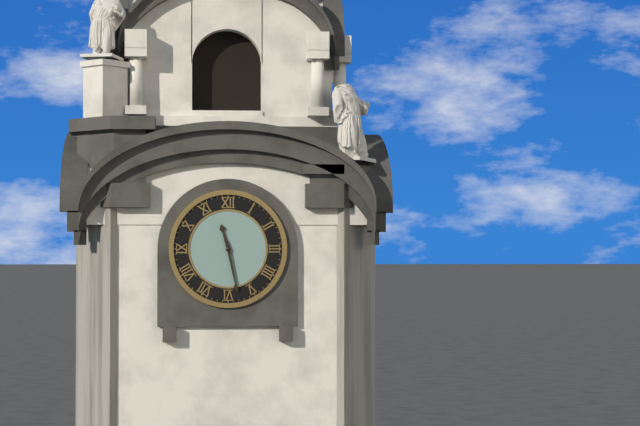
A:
11 h 28 min
